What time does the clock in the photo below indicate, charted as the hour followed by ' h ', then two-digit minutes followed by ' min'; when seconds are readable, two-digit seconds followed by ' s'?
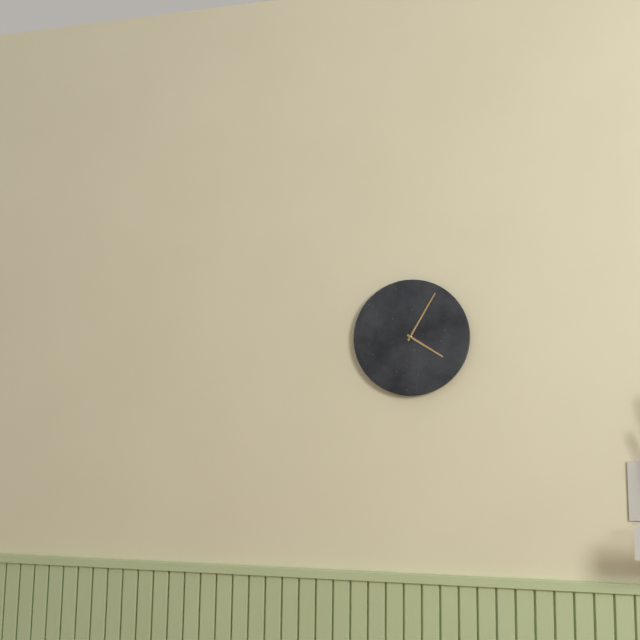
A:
4 h 05 min
